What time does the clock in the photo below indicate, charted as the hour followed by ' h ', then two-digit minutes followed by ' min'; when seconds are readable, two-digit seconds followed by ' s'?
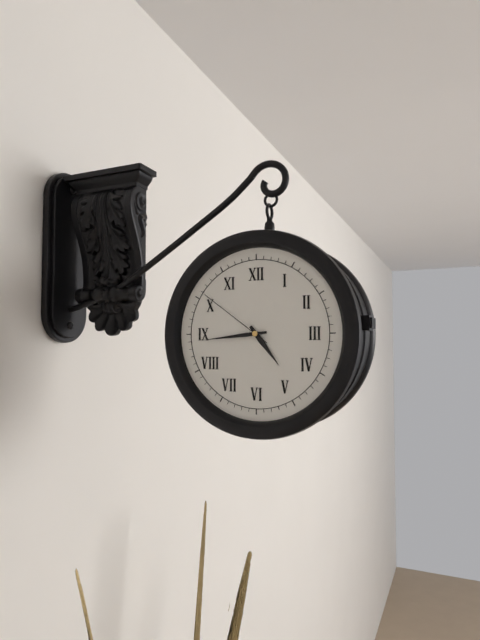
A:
4 h 44 min 51 s
